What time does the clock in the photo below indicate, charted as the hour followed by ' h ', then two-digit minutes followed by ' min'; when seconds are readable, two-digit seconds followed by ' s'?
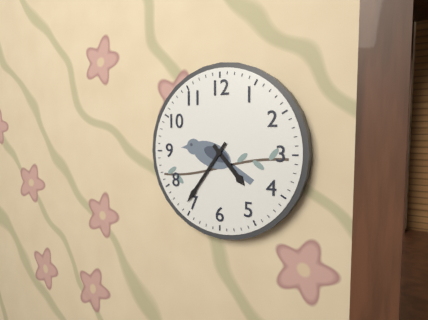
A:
4 h 36 min
